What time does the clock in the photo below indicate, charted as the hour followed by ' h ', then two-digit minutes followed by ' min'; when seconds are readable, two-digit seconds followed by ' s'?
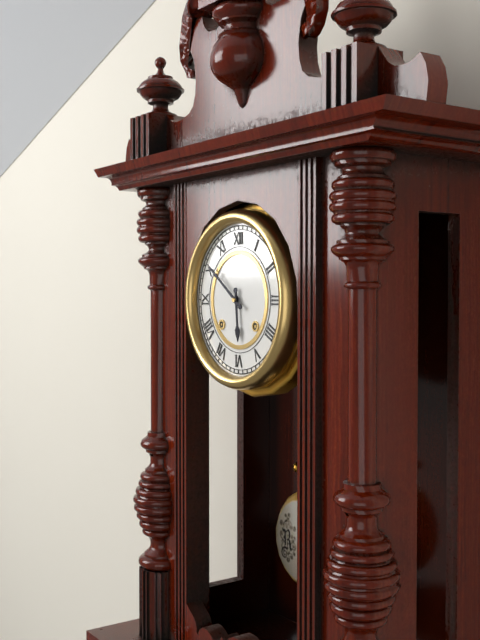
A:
5 h 51 min
